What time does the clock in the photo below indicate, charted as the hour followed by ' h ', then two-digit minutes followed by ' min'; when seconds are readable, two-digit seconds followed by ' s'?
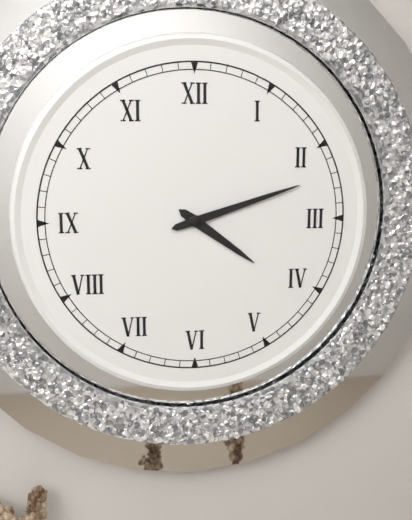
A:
4 h 12 min
